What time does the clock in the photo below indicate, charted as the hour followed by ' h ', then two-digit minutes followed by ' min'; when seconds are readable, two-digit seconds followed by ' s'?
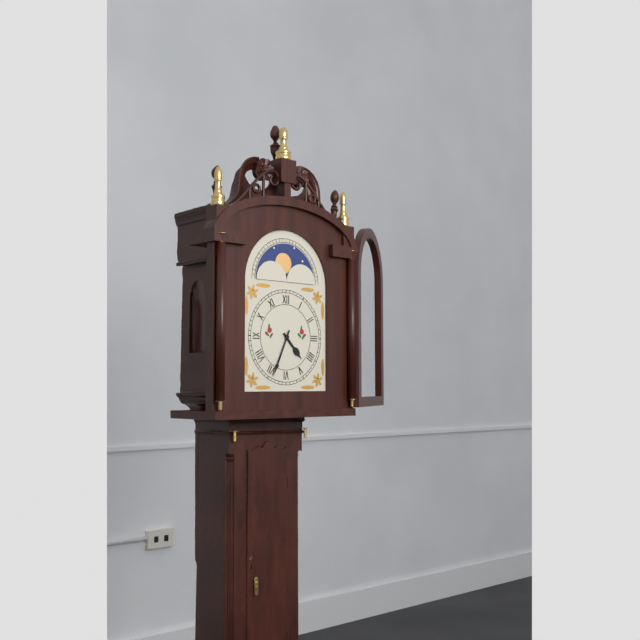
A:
4 h 34 min
